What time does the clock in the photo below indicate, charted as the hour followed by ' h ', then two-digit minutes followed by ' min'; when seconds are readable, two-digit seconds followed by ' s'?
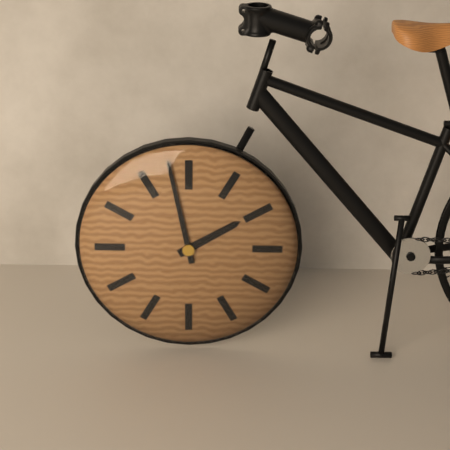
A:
1 h 58 min
